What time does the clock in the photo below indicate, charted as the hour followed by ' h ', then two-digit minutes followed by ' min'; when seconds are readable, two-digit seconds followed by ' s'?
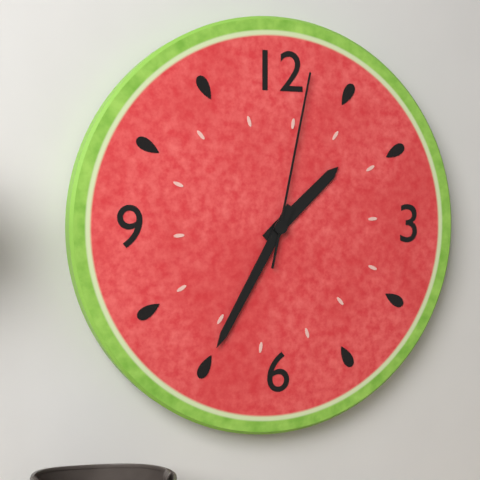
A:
1 h 35 min 02 s
